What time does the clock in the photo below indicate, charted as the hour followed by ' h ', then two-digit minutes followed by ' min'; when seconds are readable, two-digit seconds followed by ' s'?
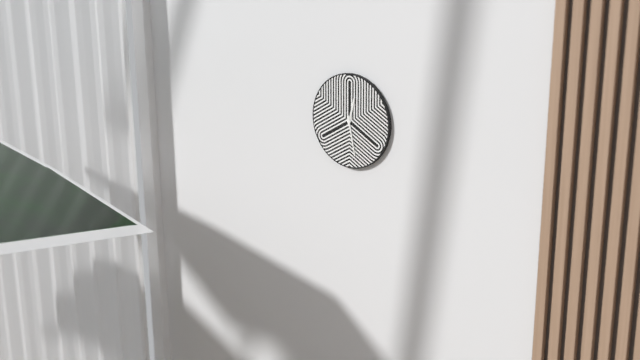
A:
12 h 28 min
